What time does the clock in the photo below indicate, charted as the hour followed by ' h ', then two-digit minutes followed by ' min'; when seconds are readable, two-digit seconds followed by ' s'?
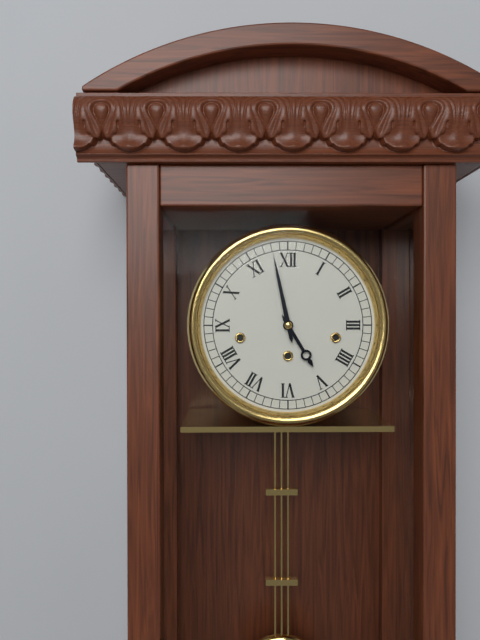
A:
4 h 58 min
